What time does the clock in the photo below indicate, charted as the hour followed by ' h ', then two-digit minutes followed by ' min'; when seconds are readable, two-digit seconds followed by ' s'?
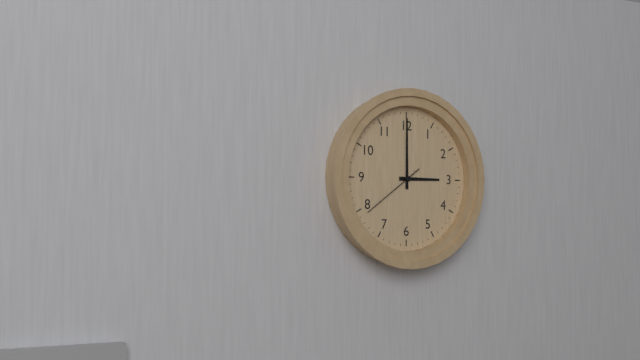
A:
3 h 00 min 39 s
